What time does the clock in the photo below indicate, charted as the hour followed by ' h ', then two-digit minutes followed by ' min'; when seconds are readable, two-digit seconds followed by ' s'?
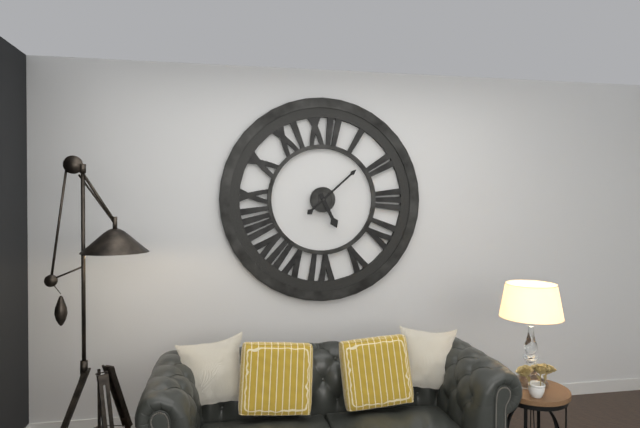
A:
5 h 08 min
